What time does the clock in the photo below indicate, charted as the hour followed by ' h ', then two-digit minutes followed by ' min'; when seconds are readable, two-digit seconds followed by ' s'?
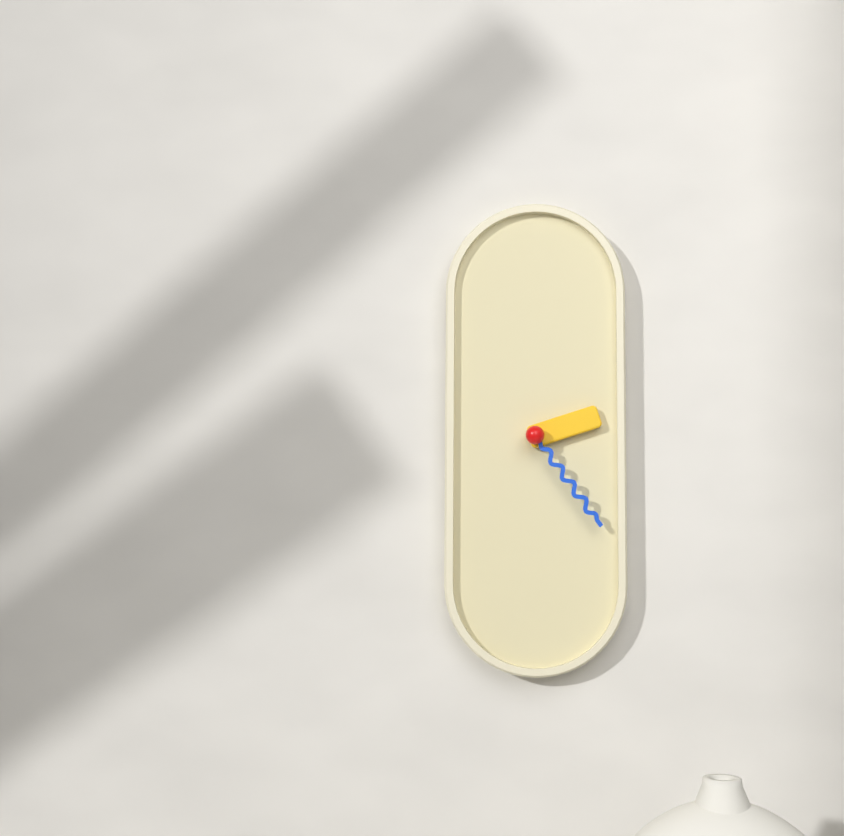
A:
2 h 24 min
